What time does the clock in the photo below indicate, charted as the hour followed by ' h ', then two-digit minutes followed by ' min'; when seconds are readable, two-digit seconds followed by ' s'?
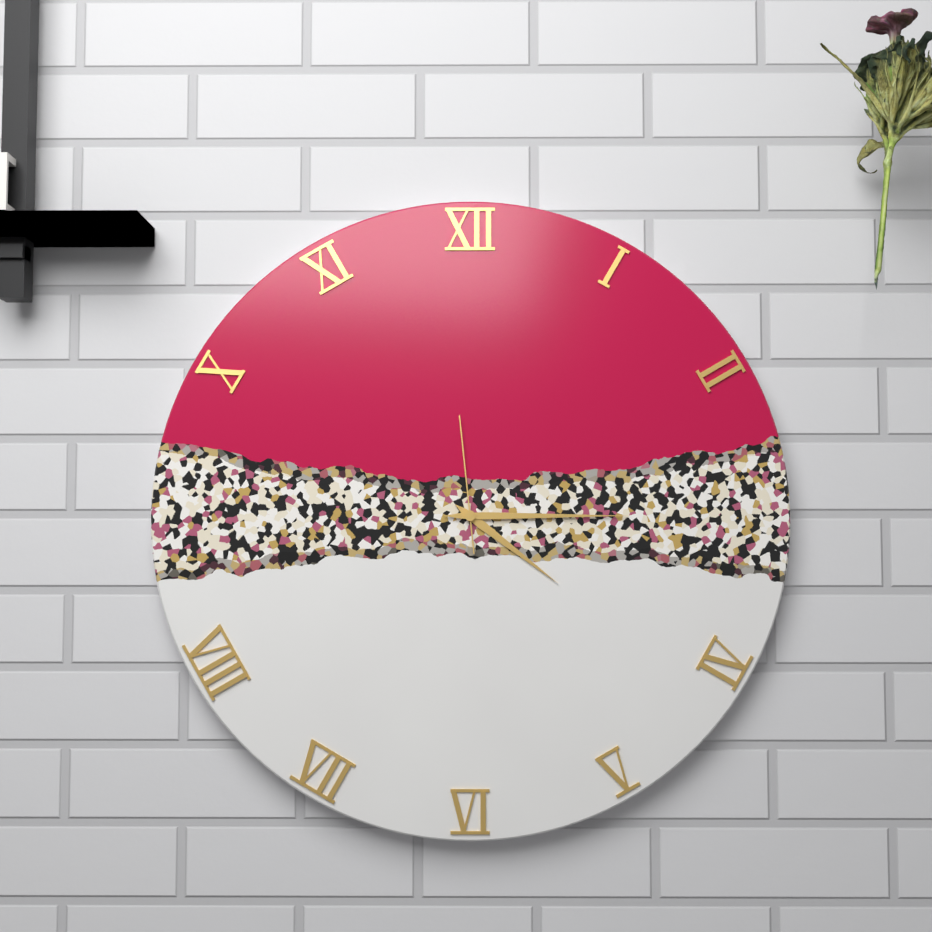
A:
4 h 15 min 59 s
